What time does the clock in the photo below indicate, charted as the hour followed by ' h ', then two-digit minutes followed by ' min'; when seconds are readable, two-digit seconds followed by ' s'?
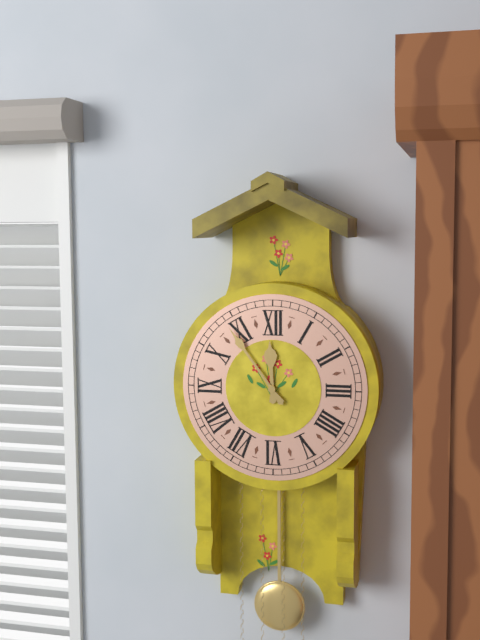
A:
11 h 54 min
